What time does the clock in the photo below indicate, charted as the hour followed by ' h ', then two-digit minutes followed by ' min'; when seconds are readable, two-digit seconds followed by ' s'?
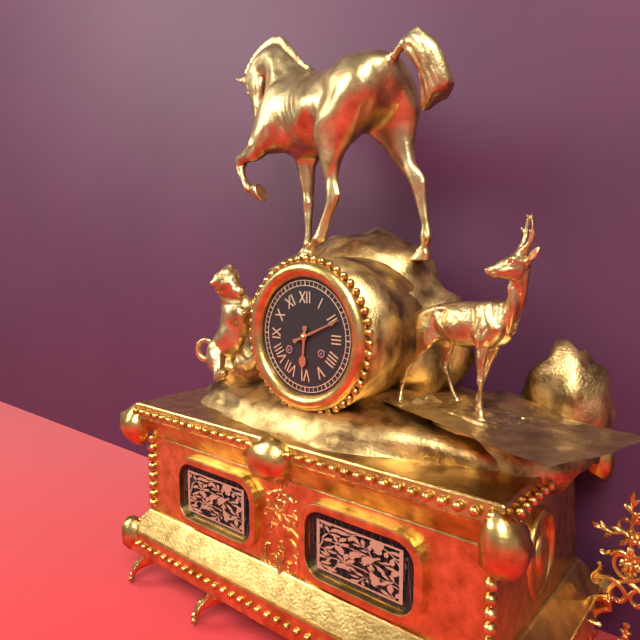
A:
6 h 11 min
